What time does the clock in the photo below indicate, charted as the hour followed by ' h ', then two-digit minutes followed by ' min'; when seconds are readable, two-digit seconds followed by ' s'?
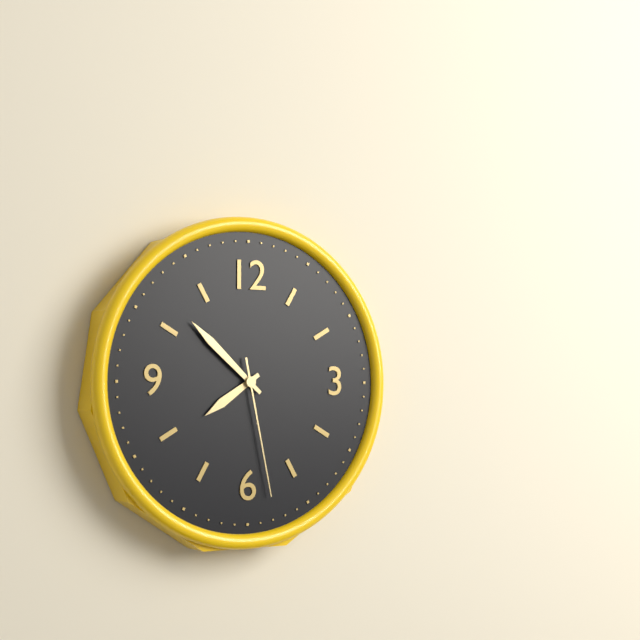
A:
7 h 52 min 28 s
